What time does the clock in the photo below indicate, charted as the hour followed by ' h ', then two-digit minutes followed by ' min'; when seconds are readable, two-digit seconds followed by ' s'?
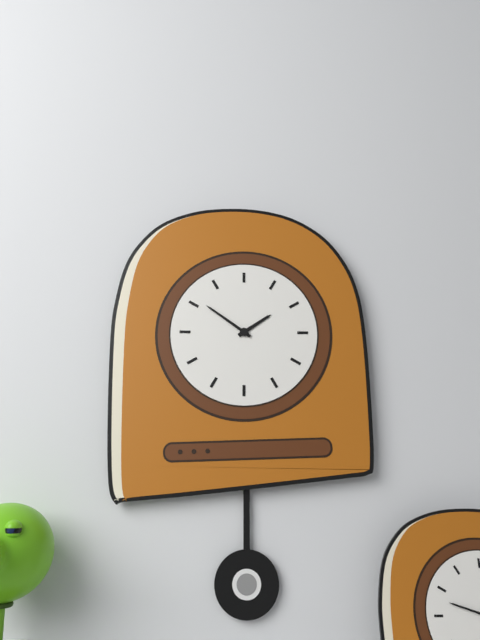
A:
1 h 51 min
